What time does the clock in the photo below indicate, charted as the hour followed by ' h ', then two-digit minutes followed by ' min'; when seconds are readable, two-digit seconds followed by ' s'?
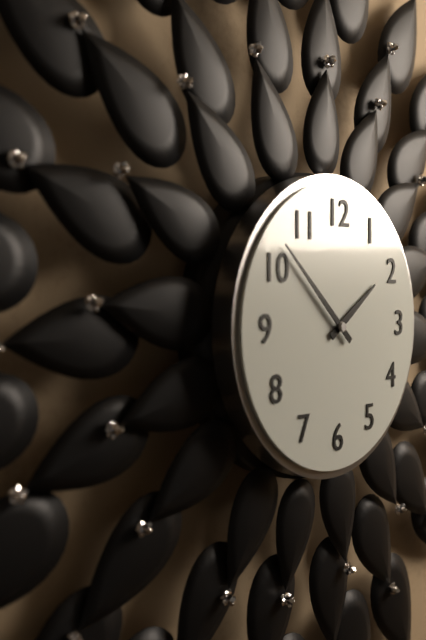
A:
1 h 52 min
